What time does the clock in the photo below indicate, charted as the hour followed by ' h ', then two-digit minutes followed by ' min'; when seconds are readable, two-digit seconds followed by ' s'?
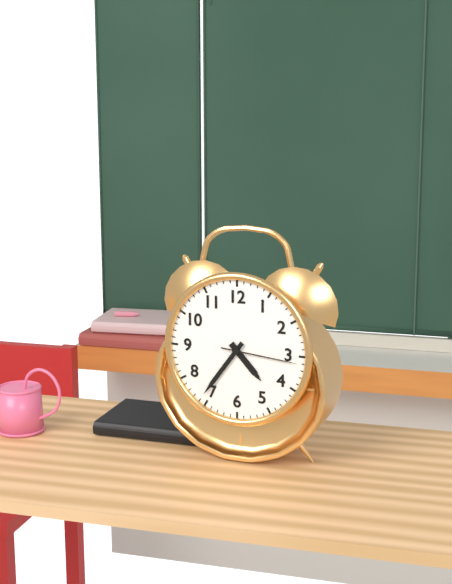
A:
4 h 36 min 16 s
